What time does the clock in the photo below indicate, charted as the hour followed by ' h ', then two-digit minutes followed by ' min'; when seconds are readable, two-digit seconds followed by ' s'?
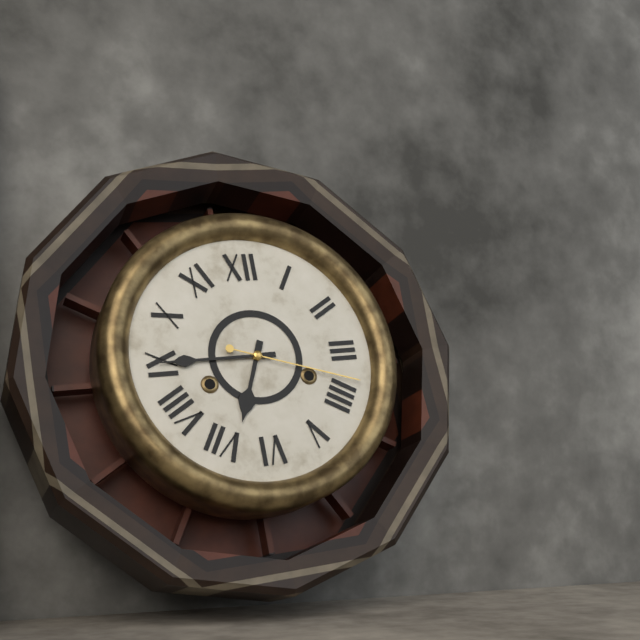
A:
6 h 45 min 18 s
